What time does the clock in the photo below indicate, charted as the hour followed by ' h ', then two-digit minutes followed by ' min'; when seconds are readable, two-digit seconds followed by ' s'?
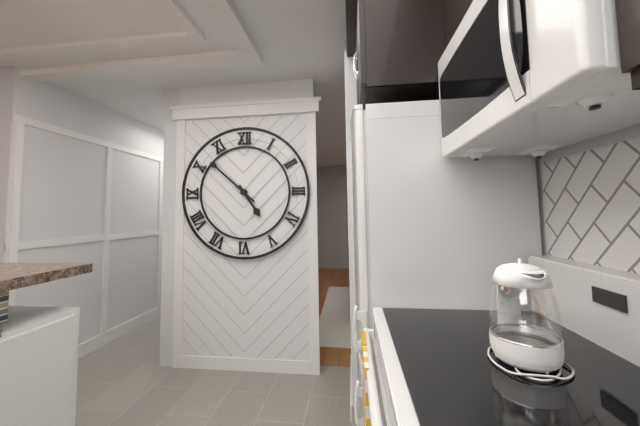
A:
4 h 52 min
